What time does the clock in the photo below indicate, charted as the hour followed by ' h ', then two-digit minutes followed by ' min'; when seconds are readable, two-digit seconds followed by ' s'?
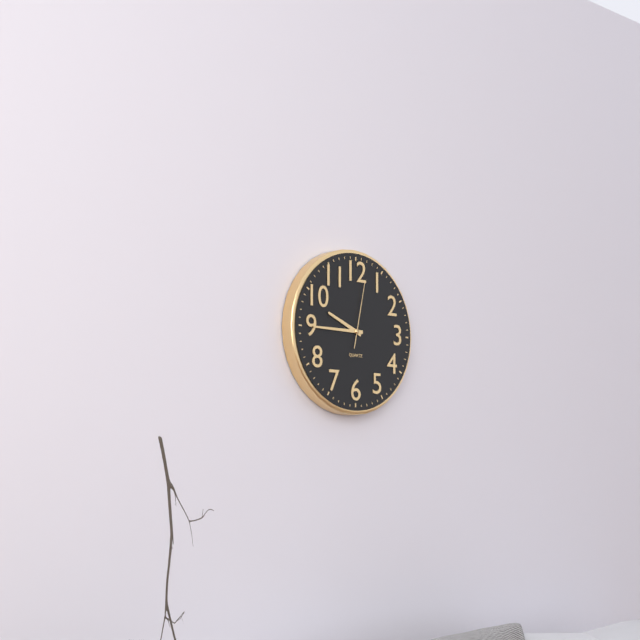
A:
9 h 45 min 02 s
